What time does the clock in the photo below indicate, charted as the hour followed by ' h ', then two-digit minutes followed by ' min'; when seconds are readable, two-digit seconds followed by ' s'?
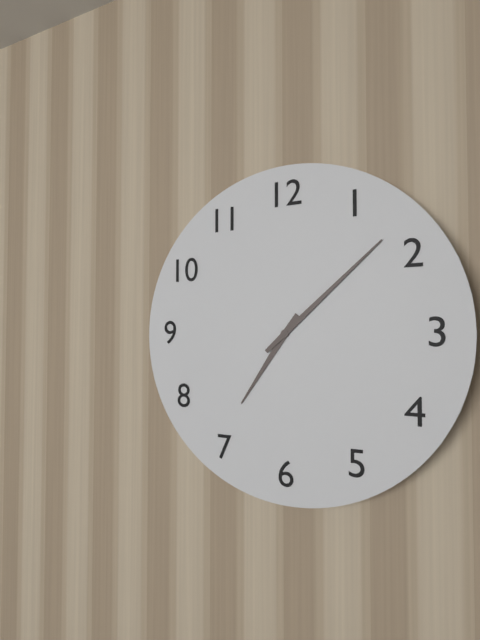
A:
7 h 08 min
